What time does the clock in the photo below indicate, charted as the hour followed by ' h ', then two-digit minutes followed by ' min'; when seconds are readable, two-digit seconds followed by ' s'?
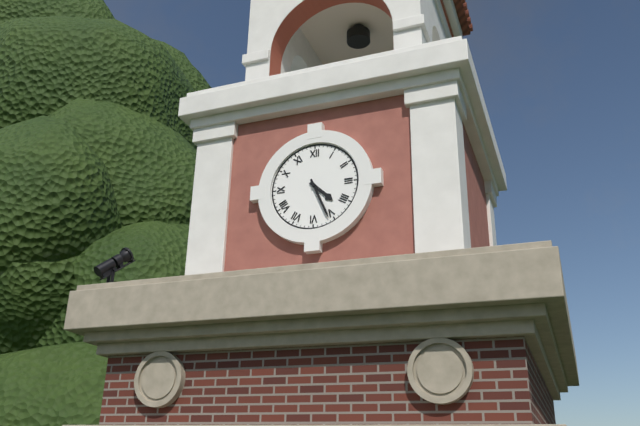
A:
4 h 26 min
